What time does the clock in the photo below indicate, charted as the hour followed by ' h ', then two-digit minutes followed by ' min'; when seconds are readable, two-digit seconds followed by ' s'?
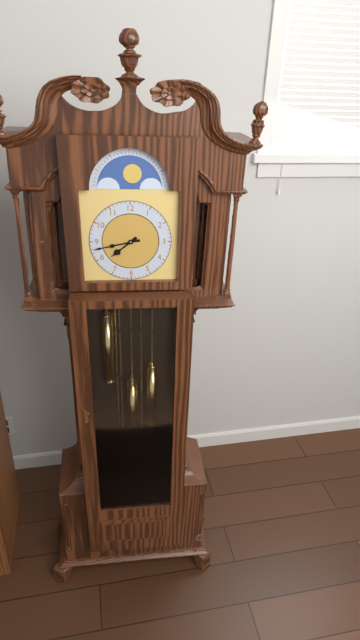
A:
7 h 43 min
